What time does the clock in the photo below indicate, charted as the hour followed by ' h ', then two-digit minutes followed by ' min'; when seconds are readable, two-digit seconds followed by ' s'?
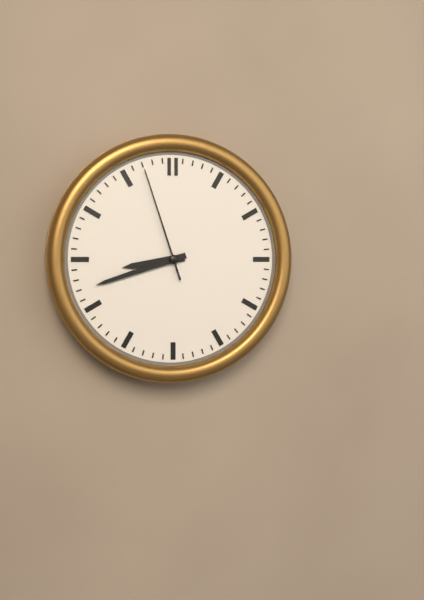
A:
8 h 42 min 57 s
